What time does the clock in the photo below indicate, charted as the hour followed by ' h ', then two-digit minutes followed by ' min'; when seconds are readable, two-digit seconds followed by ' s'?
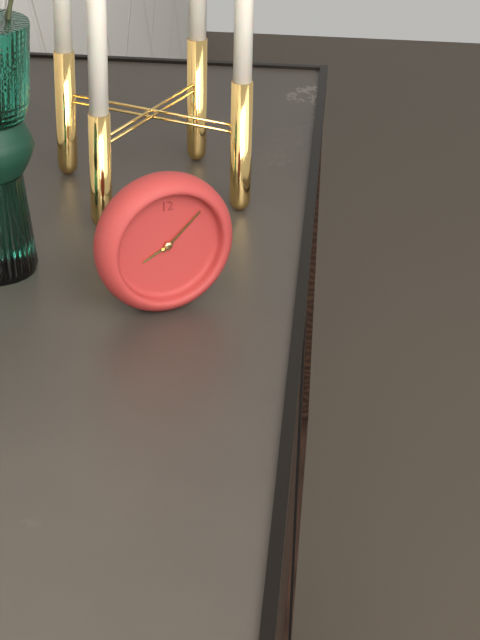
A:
8 h 08 min
